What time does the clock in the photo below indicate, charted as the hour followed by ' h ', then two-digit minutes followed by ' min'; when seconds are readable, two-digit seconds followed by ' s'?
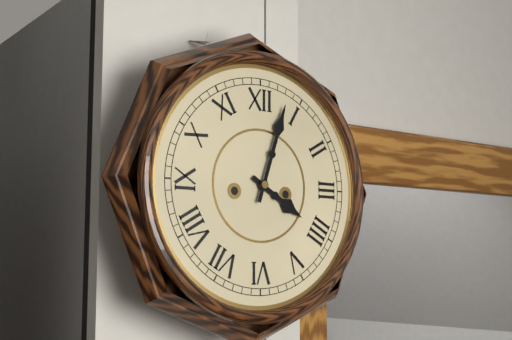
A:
4 h 03 min
